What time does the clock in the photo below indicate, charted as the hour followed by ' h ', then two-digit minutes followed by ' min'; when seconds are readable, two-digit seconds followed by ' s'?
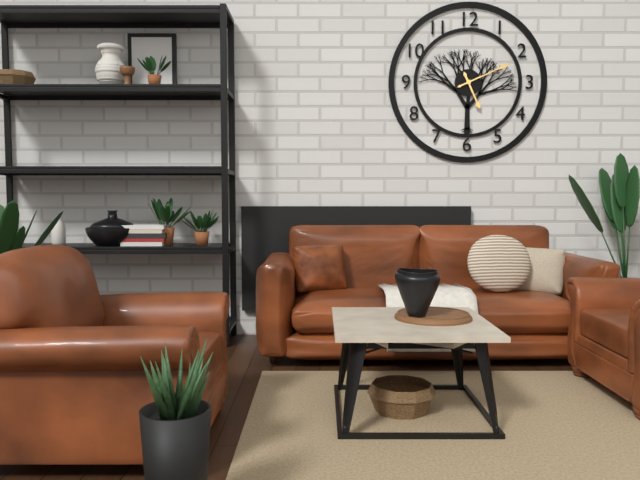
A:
5 h 11 min
